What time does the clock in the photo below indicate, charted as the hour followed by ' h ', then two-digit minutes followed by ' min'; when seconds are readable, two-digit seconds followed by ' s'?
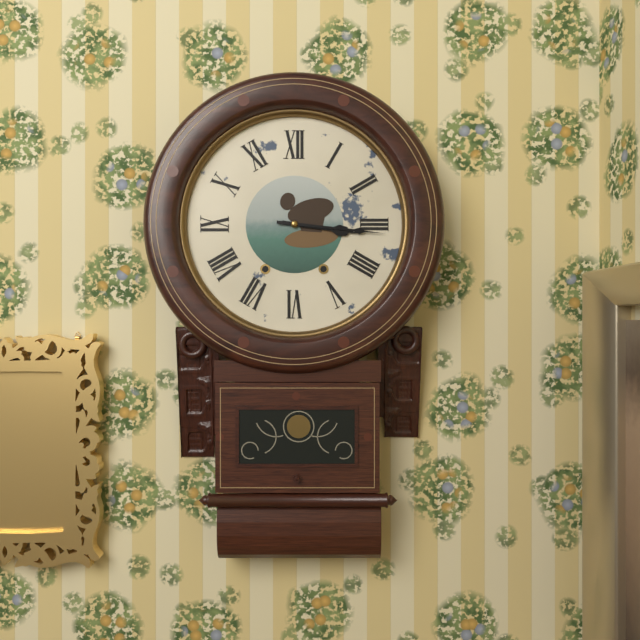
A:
3 h 16 min
